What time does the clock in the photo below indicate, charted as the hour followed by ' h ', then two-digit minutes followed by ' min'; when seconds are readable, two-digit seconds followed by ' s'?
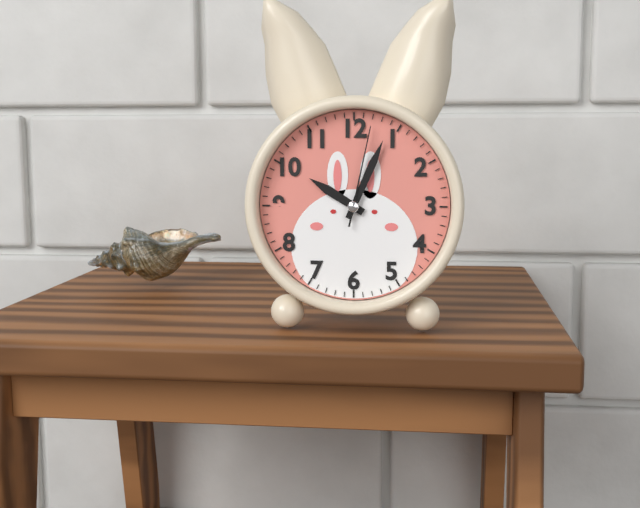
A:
10 h 04 min 02 s
